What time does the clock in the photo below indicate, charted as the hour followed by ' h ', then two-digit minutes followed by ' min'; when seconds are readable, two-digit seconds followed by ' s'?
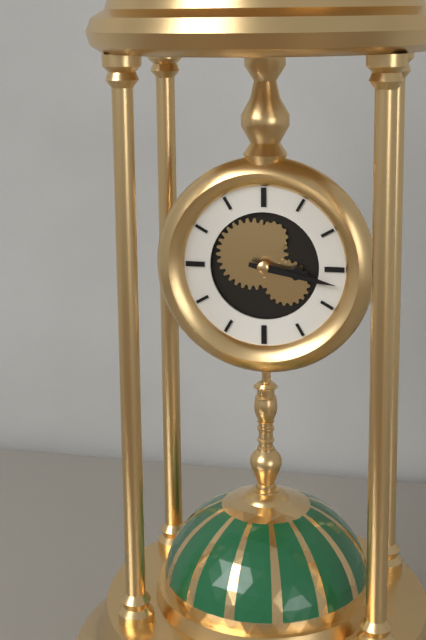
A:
3 h 17 min
